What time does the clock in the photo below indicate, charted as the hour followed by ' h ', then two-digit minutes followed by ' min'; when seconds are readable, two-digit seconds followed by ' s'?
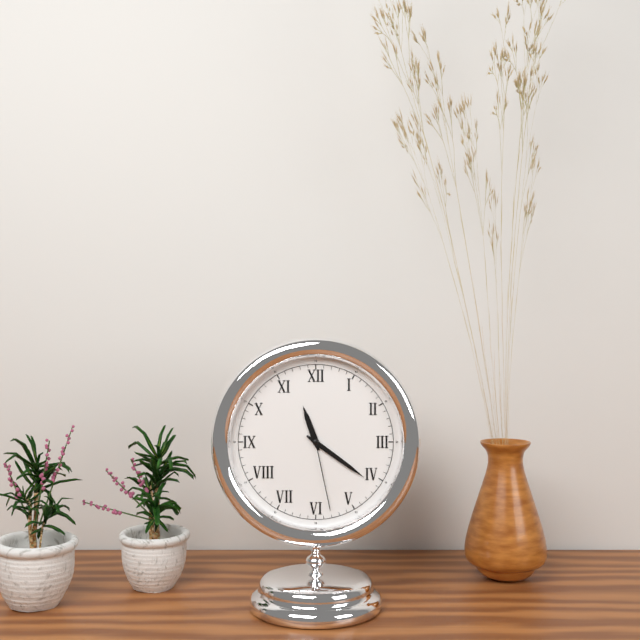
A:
11 h 21 min 28 s
